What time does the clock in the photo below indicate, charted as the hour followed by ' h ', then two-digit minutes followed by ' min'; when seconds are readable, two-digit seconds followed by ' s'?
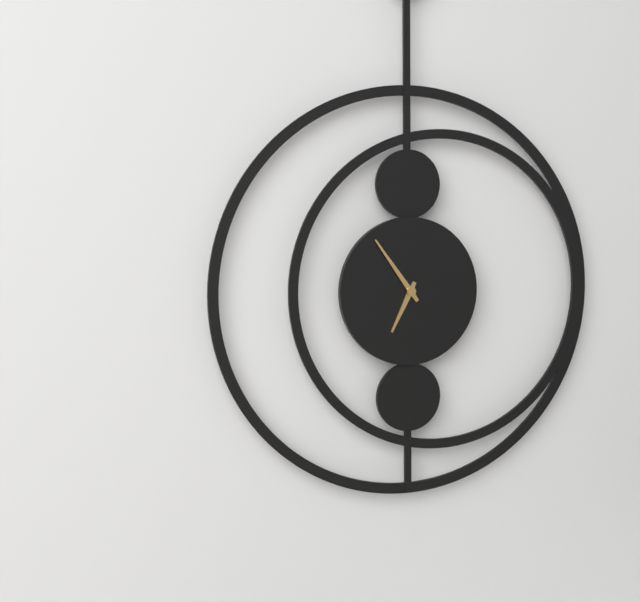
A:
6 h 54 min
